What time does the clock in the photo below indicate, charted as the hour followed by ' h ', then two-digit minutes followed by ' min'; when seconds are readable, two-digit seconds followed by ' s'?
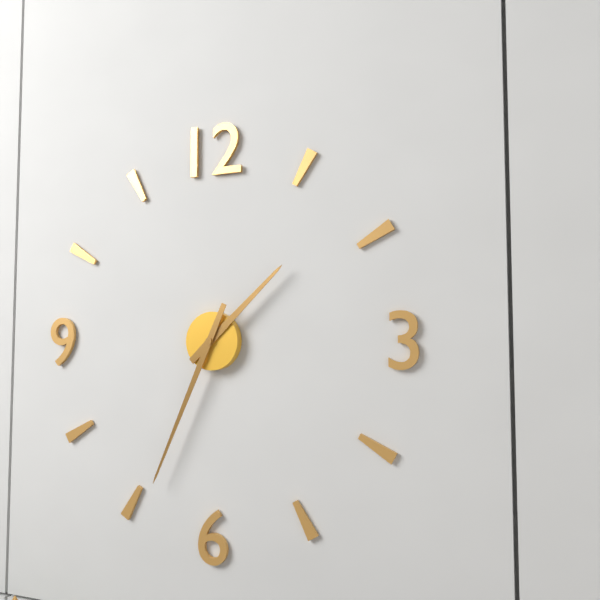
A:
1 h 34 min
